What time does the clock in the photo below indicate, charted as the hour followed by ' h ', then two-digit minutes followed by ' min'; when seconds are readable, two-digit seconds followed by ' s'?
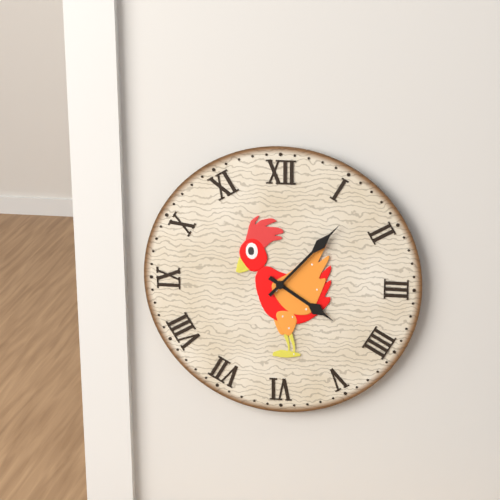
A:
4 h 07 min
